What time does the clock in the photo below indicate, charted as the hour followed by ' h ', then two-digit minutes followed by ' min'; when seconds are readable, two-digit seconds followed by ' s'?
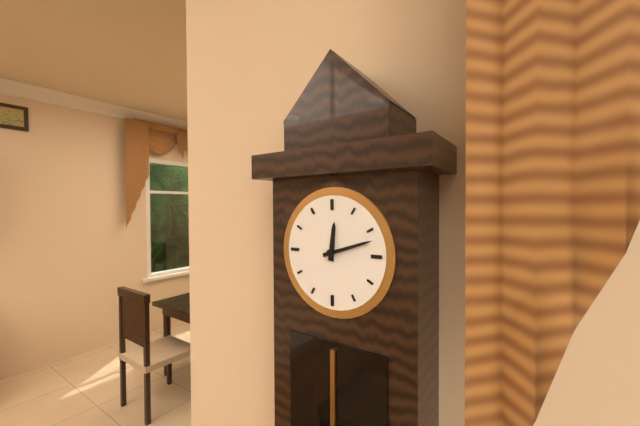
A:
12 h 12 min
